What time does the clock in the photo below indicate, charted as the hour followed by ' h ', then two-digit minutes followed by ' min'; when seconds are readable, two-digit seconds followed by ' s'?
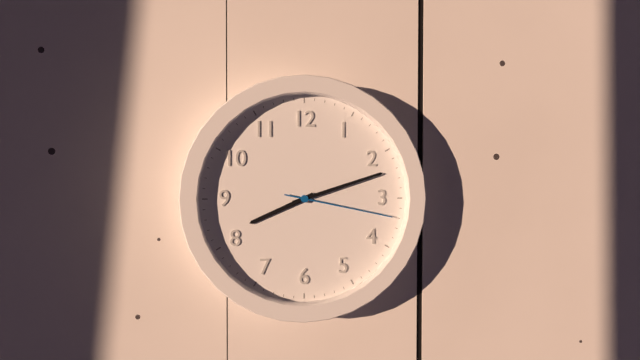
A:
8 h 12 min 17 s
